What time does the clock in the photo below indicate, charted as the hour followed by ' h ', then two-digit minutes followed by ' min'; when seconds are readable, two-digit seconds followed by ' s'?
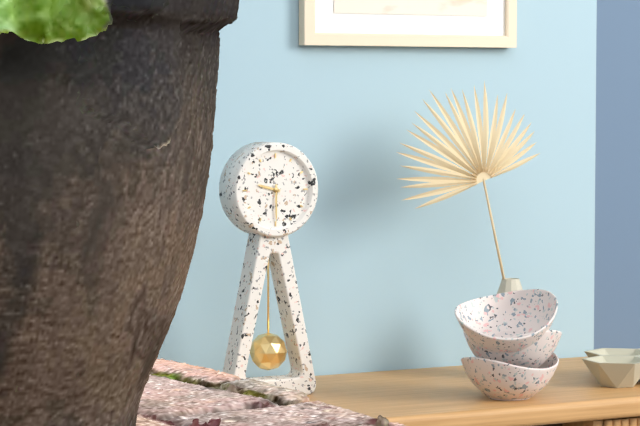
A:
9 h 30 min
